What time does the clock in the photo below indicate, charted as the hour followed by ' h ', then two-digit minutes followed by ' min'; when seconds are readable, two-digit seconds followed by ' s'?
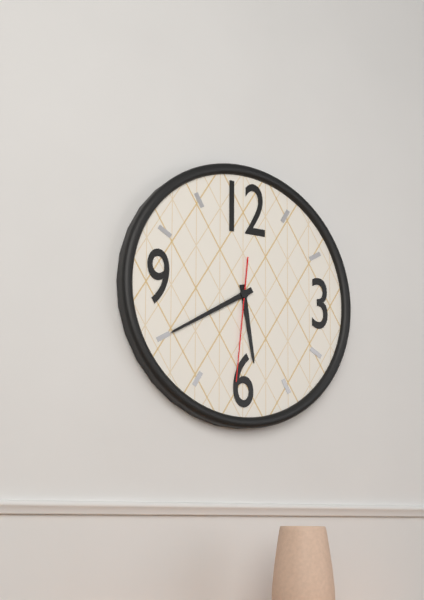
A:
5 h 40 min 31 s
